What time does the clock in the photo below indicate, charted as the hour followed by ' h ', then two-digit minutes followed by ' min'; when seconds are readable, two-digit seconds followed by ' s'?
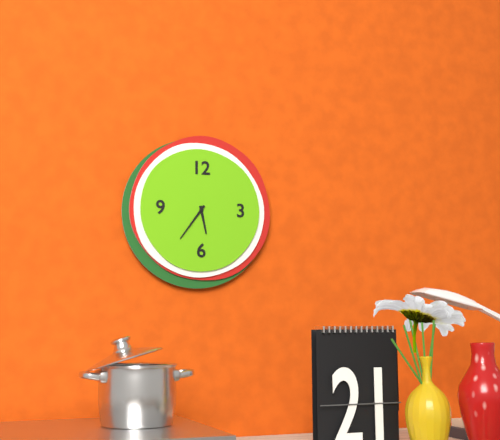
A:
5 h 36 min
